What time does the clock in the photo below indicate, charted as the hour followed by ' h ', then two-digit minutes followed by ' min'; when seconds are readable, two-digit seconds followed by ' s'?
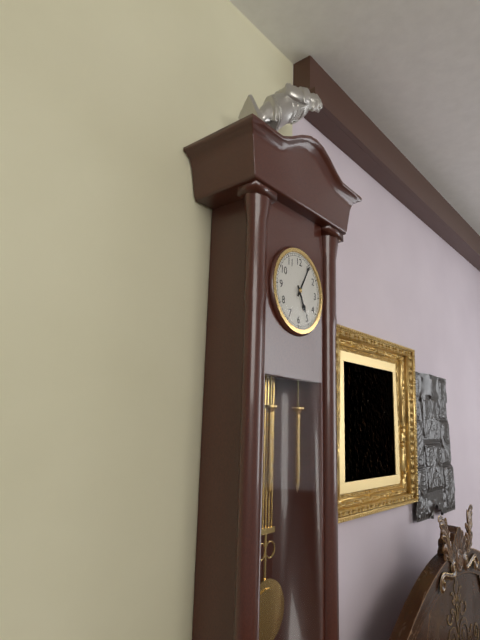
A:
5 h 05 min
